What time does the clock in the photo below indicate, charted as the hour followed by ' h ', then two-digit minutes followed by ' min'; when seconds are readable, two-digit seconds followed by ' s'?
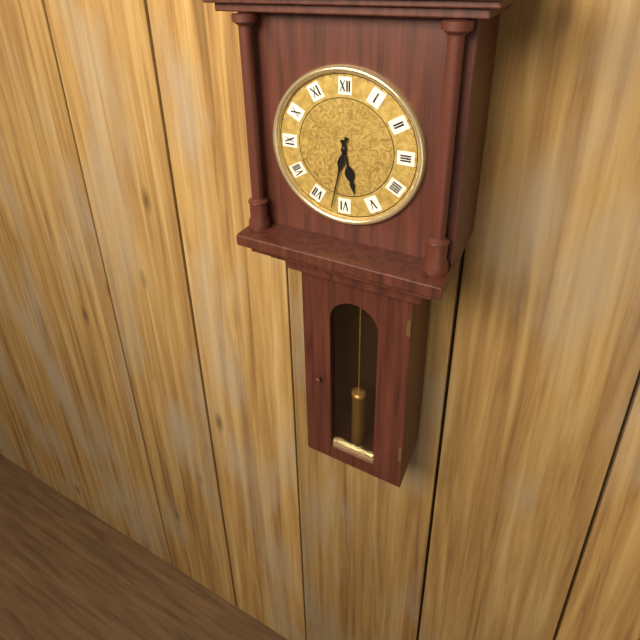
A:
5 h 32 min
